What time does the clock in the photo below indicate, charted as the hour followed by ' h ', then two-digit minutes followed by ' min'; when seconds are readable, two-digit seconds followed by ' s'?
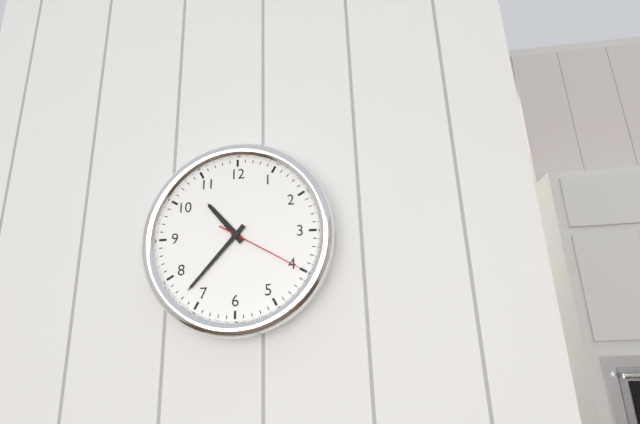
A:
10 h 37 min 20 s
